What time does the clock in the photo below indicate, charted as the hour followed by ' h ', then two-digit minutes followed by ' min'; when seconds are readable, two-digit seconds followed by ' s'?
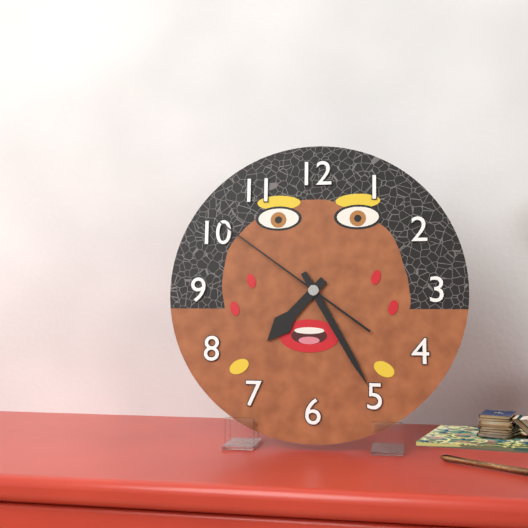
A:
7 h 25 min 51 s
